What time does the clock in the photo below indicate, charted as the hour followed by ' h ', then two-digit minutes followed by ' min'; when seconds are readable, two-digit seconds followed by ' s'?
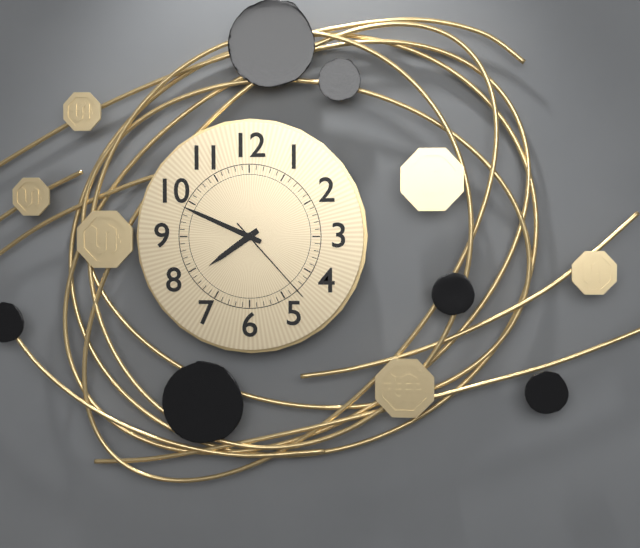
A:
7 h 49 min 23 s
